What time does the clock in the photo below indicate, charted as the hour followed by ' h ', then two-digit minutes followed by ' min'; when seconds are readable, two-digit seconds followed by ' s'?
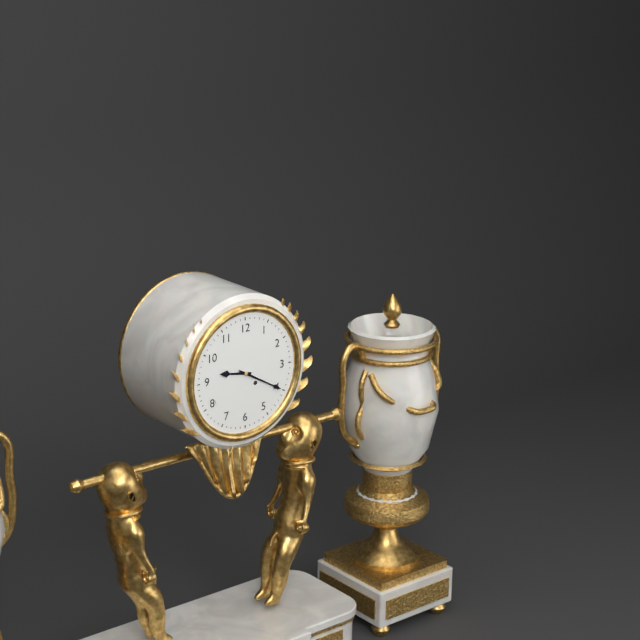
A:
9 h 20 min
